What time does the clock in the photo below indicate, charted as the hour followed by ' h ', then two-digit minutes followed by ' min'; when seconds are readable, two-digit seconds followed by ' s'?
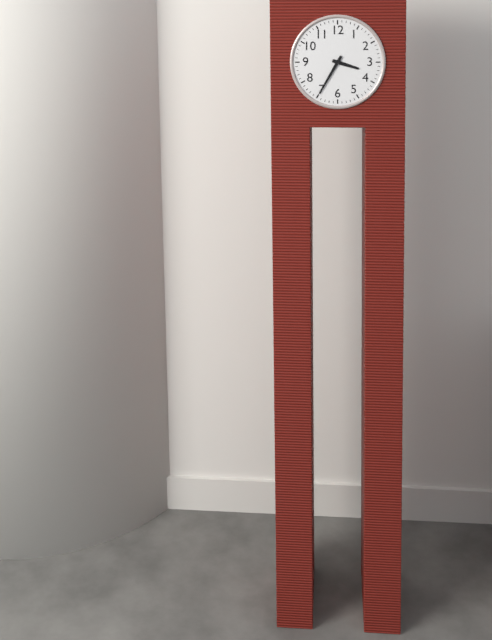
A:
3 h 35 min
